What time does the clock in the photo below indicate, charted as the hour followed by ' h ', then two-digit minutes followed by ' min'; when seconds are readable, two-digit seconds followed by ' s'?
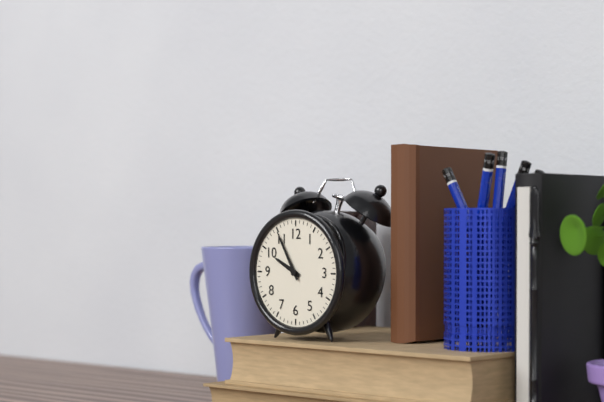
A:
9 h 55 min
